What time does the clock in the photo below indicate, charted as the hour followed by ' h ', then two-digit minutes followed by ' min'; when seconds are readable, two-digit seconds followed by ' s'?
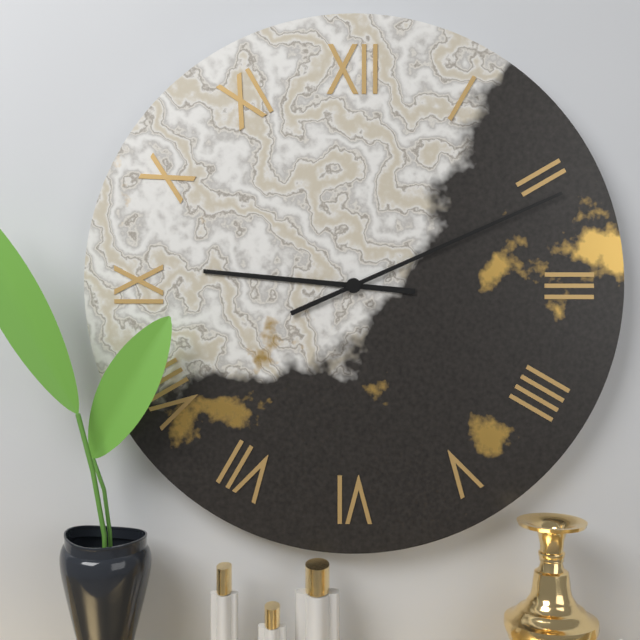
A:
9 h 11 min
